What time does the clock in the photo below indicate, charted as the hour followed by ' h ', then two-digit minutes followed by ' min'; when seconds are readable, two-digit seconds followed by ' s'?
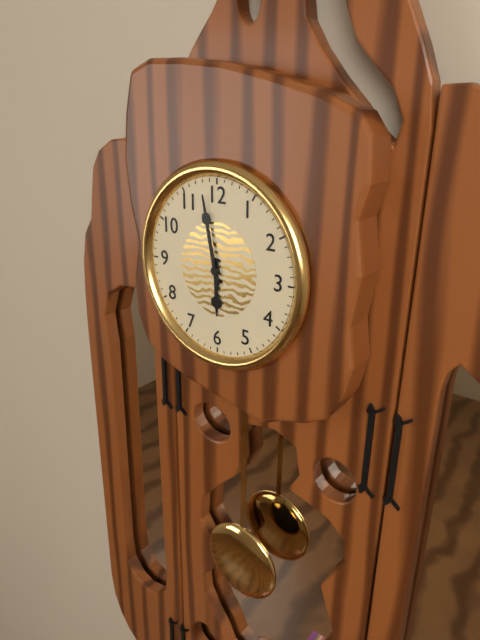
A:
5 h 58 min
